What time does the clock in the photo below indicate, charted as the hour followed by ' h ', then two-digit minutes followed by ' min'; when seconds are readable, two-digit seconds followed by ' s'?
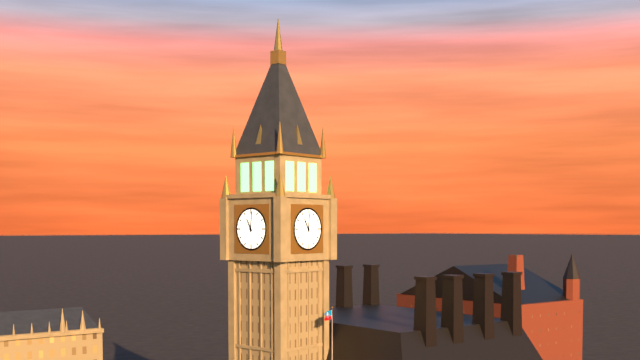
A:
11 h 01 min
